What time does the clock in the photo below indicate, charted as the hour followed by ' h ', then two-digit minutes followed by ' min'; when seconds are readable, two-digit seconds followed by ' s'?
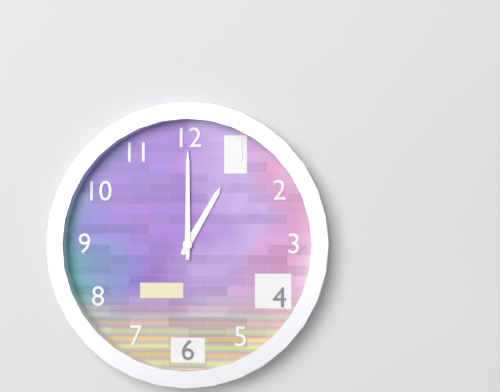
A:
1 h 00 min
